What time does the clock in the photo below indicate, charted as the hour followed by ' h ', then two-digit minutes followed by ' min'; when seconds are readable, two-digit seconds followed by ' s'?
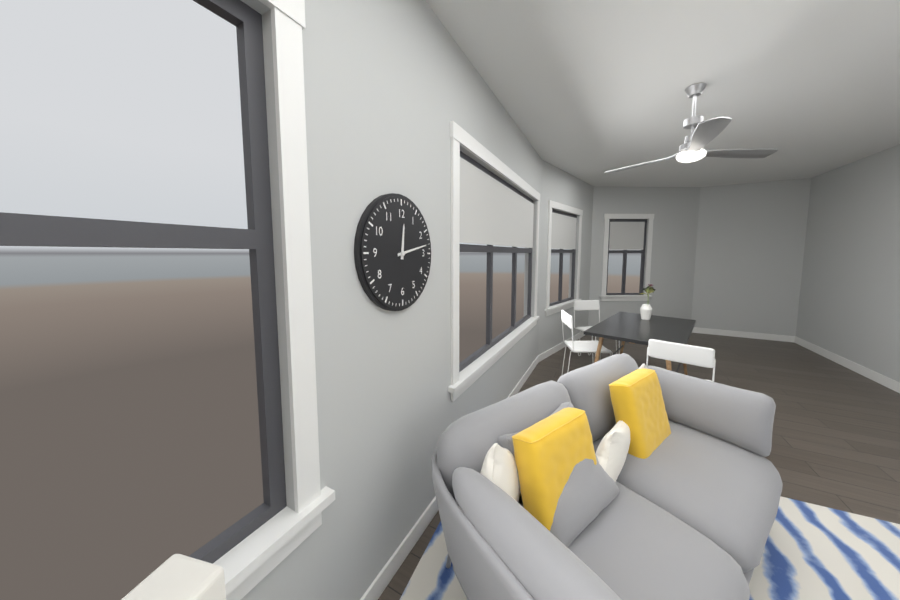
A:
12 h 13 min
